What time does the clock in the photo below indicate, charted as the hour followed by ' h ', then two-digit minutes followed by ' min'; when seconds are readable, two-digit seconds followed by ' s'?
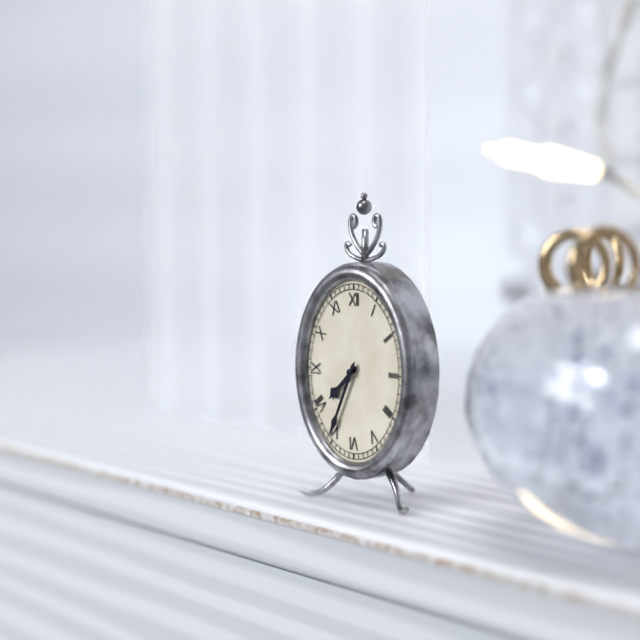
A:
7 h 34 min
